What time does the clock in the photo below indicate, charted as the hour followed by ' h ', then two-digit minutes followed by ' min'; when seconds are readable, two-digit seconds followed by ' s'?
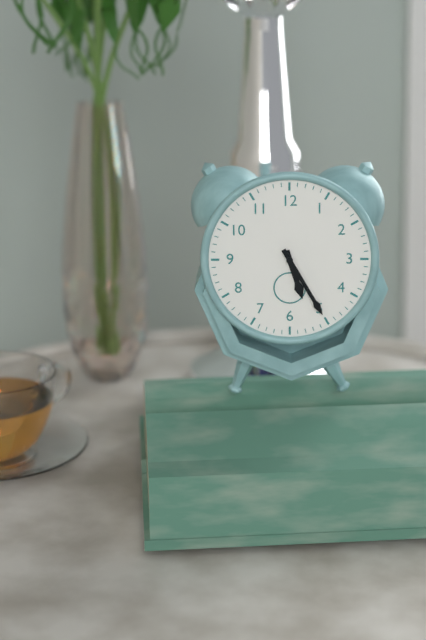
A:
5 h 25 min
